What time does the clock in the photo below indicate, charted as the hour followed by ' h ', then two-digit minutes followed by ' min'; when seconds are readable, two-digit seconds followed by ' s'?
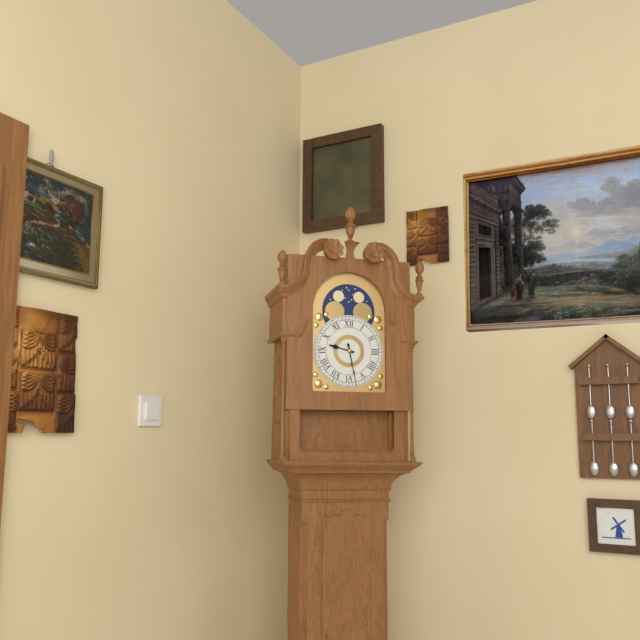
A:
9 h 28 min
